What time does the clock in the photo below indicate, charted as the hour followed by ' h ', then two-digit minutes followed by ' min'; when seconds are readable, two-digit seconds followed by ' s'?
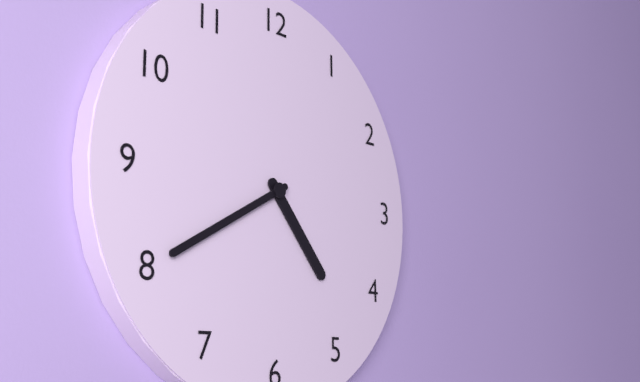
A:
4 h 40 min
